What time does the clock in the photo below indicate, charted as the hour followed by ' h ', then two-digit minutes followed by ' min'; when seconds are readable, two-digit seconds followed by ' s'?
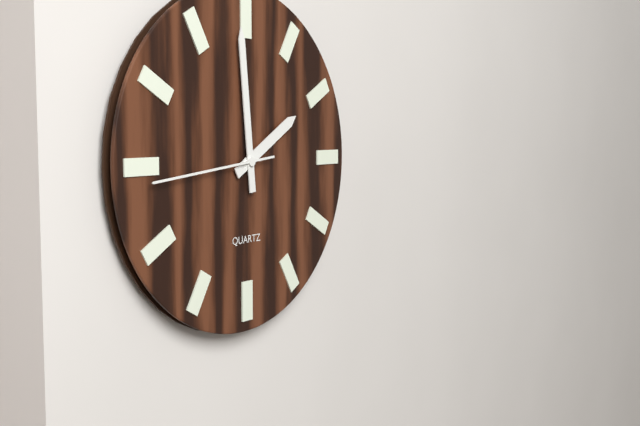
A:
1 h 59 min 44 s
